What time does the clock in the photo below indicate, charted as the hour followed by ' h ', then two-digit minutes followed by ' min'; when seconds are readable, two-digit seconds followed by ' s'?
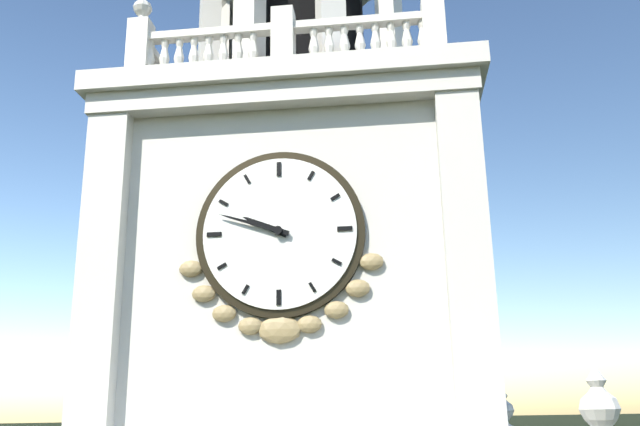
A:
9 h 48 min
